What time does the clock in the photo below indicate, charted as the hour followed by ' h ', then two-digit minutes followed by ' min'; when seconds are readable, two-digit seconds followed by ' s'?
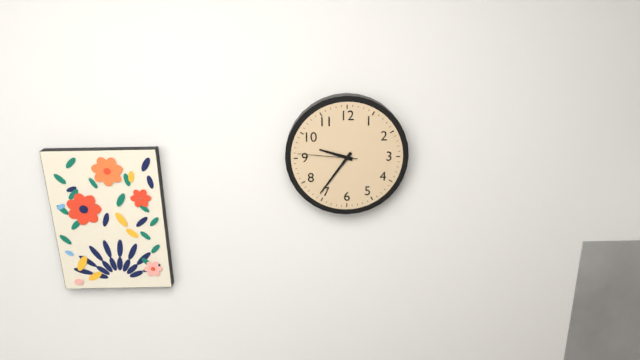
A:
9 h 36 min 46 s
